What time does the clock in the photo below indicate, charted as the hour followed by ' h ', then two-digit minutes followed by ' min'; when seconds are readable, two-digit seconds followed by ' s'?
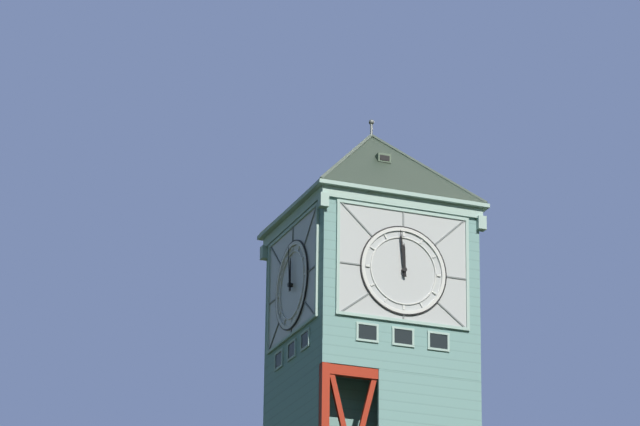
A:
11 h 59 min
